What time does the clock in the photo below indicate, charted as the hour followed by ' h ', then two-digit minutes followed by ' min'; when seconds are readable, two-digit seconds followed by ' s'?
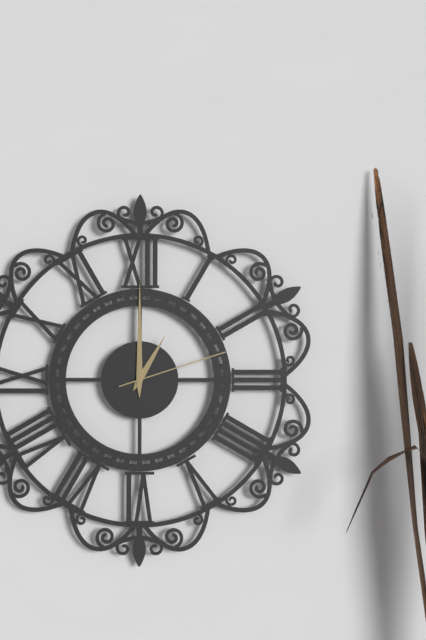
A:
1 h 00 min 12 s
